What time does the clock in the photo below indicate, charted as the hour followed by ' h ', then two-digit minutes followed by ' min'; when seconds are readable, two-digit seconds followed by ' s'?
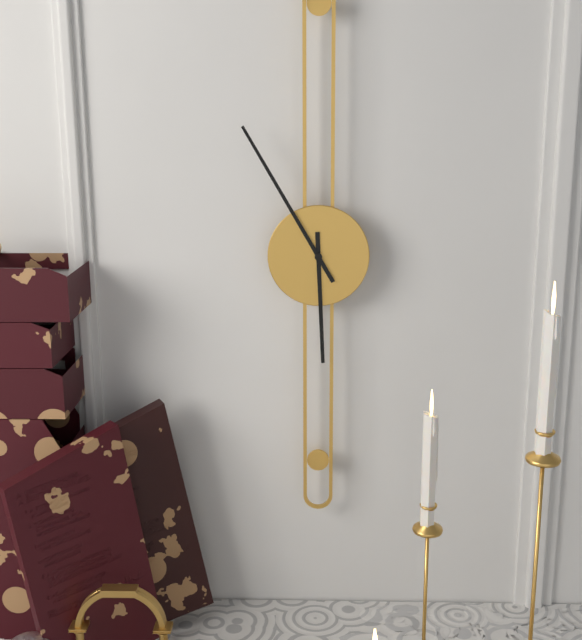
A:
5 h 55 min
